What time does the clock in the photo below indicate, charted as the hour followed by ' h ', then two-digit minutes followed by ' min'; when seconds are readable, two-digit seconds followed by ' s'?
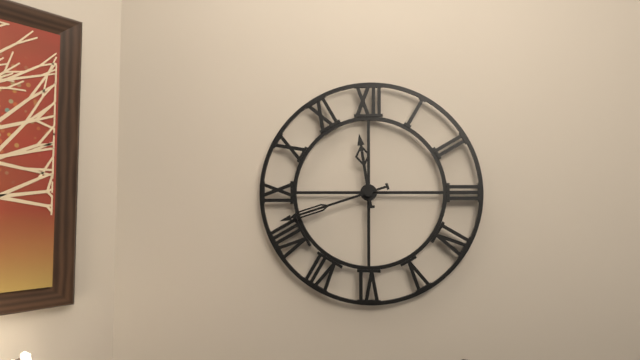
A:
11 h 42 min
